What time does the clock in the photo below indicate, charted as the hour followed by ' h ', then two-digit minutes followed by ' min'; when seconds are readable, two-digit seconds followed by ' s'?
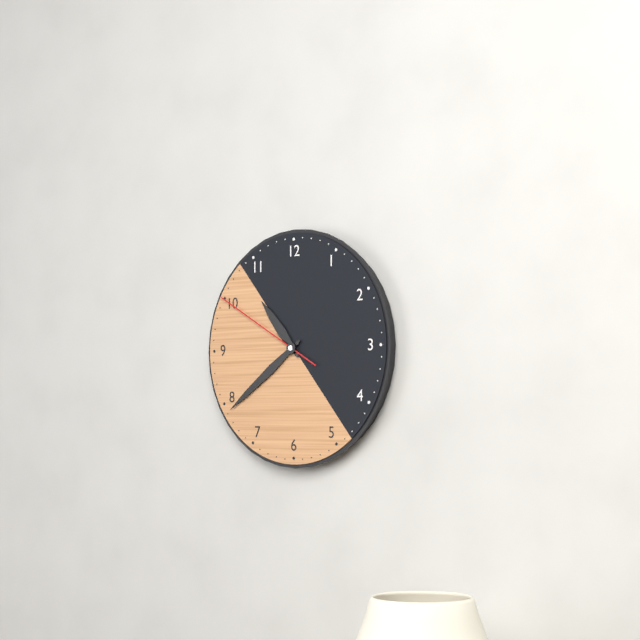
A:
10 h 39 min 50 s
